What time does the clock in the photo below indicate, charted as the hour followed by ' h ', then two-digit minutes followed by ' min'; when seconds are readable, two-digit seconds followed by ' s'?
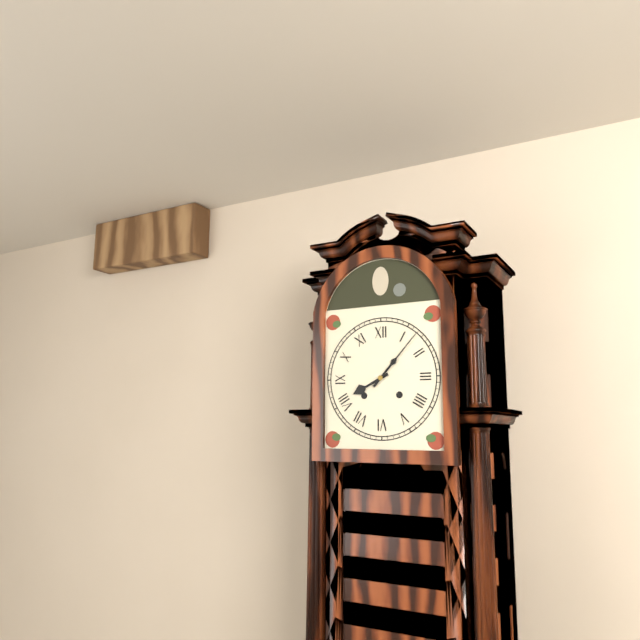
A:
8 h 07 min
